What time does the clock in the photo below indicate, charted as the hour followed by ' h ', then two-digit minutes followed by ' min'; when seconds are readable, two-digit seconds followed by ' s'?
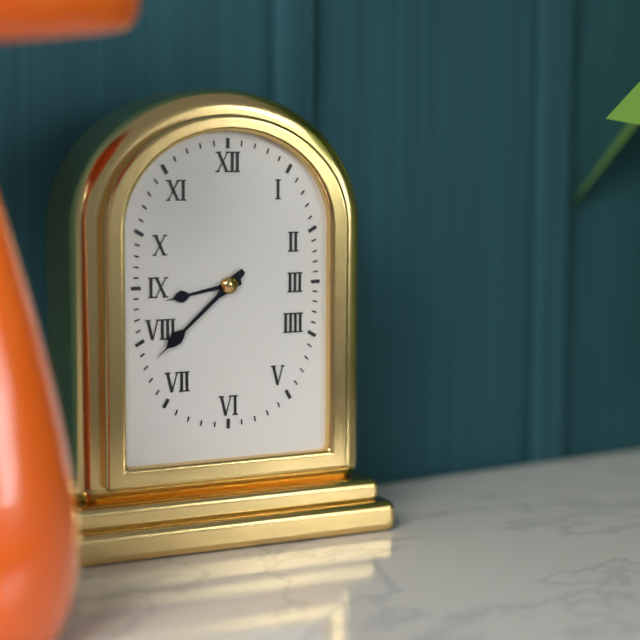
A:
8 h 38 min
